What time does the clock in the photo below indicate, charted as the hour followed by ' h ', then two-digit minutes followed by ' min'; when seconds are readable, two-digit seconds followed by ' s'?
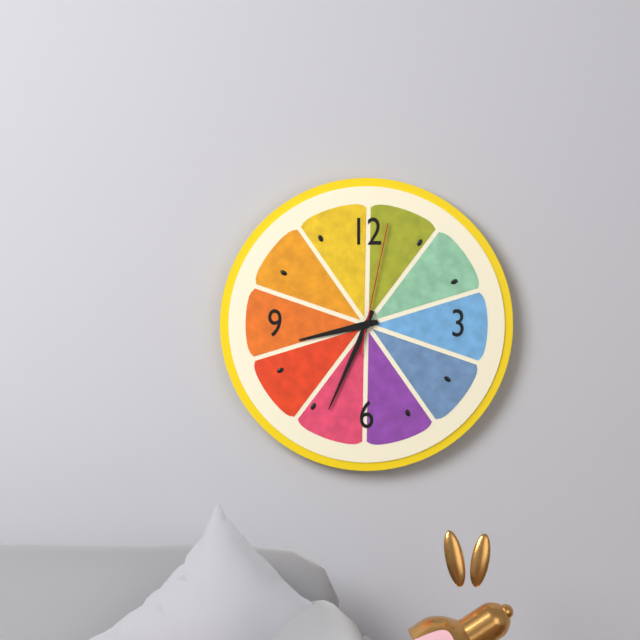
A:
8 h 34 min 02 s
